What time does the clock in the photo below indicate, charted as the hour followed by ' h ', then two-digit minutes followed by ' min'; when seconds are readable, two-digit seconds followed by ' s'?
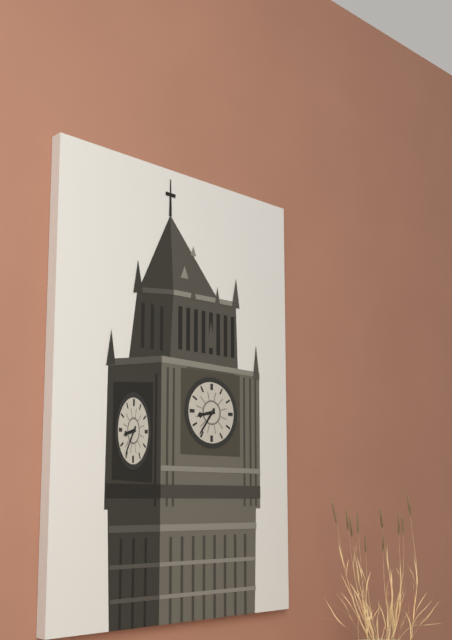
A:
8 h 36 min
